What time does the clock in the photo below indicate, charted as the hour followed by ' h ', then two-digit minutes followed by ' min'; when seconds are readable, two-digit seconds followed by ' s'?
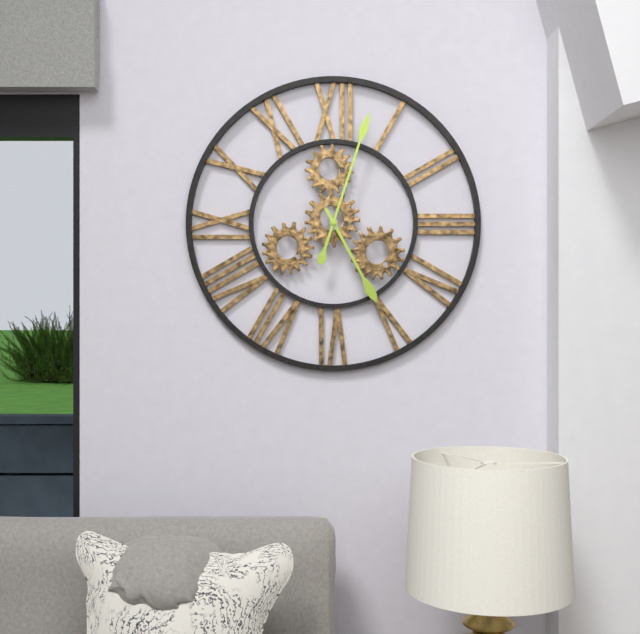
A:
5 h 03 min
